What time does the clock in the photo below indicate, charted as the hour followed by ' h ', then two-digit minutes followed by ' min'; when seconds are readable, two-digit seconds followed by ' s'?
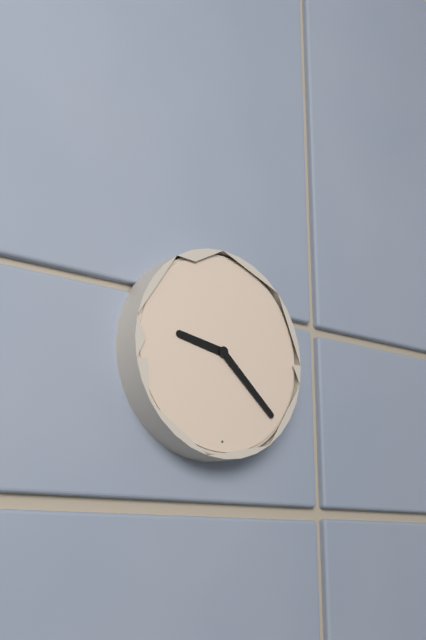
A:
9 h 22 min
